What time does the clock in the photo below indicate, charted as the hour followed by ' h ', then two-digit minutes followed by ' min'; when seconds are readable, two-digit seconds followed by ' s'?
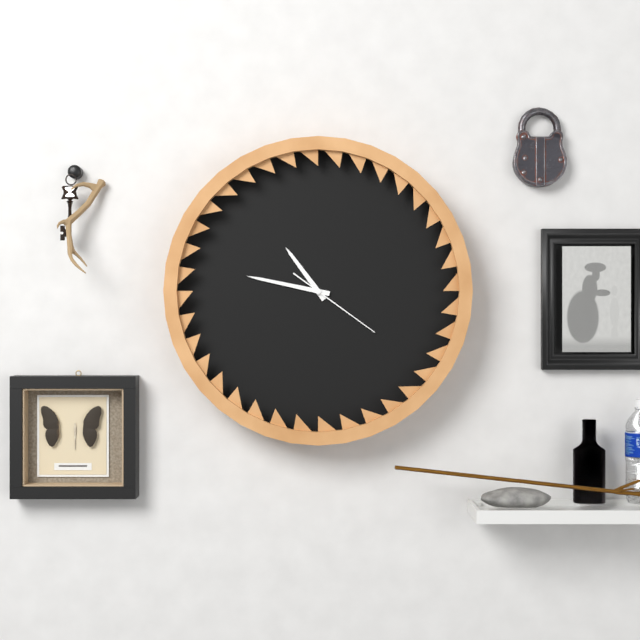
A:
10 h 47 min 21 s
